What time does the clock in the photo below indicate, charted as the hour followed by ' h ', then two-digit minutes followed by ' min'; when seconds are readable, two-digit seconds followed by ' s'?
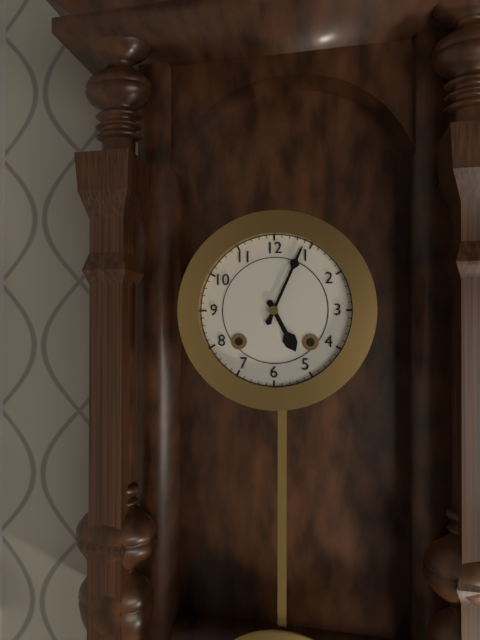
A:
5 h 04 min
